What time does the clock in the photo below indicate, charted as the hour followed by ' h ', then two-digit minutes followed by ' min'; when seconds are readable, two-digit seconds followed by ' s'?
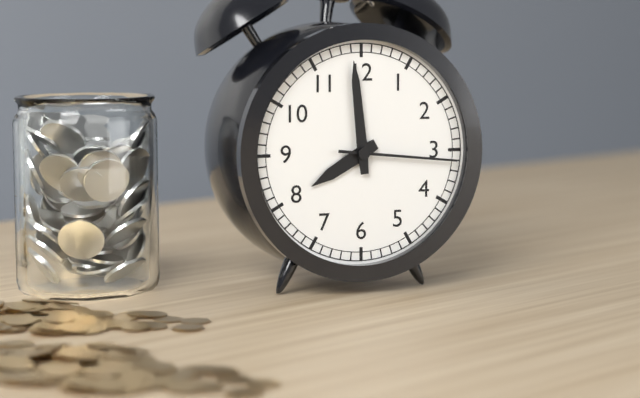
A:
7 h 59 min 16 s
